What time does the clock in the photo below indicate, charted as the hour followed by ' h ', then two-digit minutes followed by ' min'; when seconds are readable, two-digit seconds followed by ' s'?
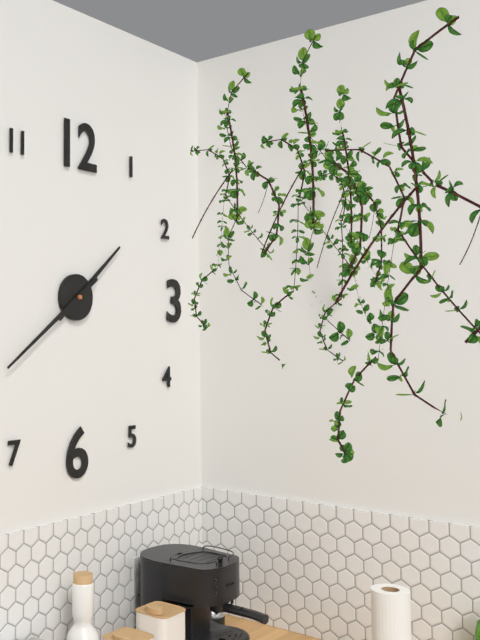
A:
1 h 39 min
